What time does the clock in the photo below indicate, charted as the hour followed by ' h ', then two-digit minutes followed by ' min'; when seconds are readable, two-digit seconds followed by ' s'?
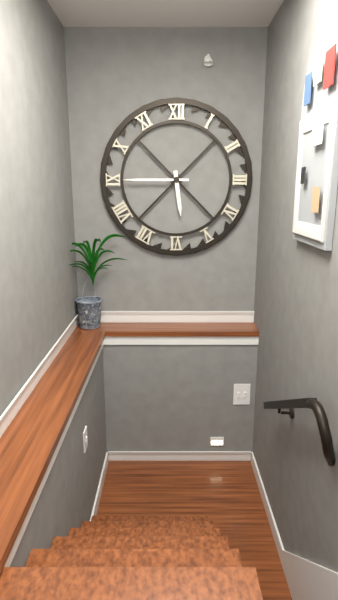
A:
5 h 45 min
